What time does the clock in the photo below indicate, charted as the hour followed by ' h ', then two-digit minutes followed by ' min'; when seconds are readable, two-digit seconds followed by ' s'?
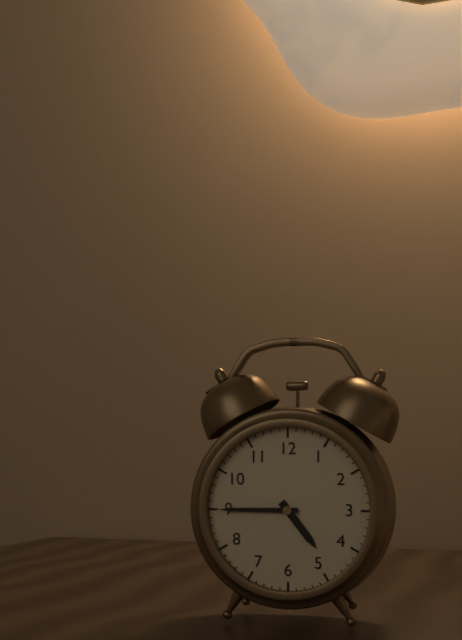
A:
4 h 45 min
